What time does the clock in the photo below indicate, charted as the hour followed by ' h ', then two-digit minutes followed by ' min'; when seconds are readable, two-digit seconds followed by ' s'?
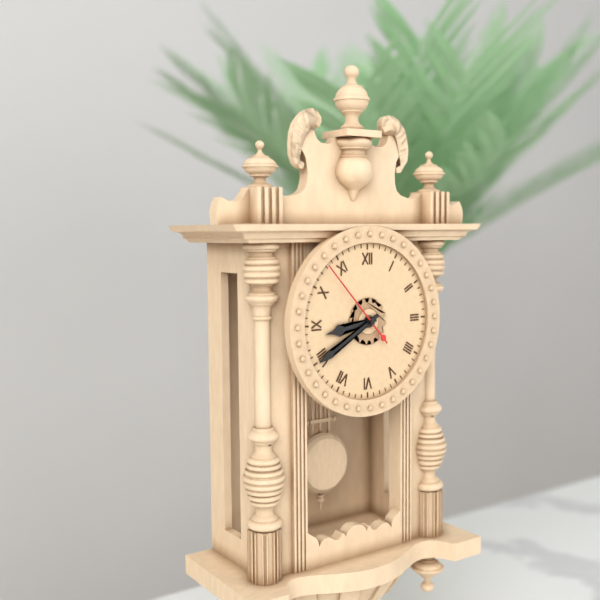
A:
8 h 40 min 53 s
